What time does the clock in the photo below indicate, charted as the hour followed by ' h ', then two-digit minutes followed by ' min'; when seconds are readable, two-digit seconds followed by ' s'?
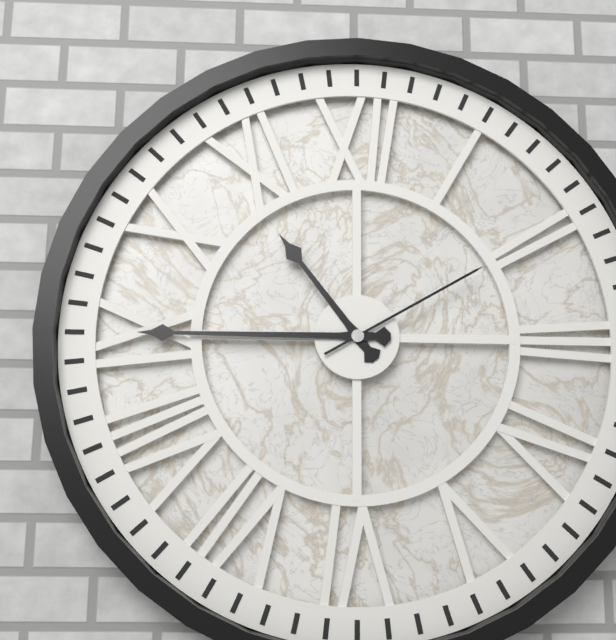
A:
10 h 45 min 10 s
